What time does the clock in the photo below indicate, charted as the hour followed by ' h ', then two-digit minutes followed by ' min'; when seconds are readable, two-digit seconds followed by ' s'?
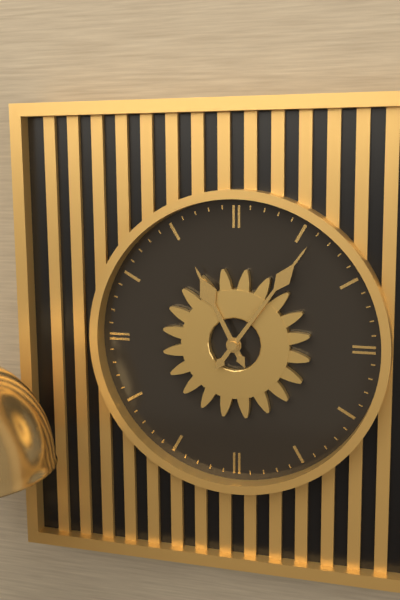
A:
11 h 06 min
